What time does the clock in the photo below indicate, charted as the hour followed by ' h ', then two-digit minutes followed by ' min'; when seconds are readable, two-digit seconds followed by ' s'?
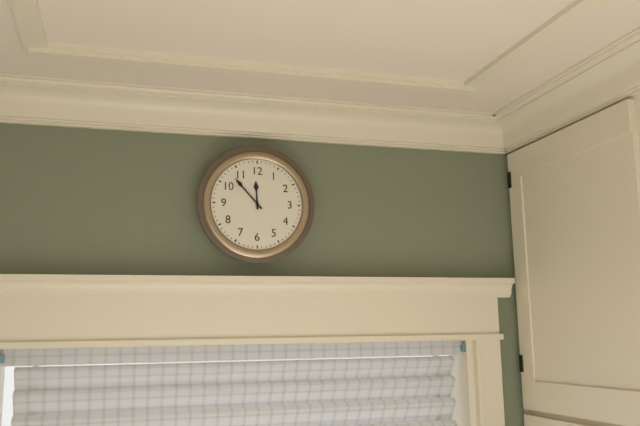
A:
11 h 53 min
